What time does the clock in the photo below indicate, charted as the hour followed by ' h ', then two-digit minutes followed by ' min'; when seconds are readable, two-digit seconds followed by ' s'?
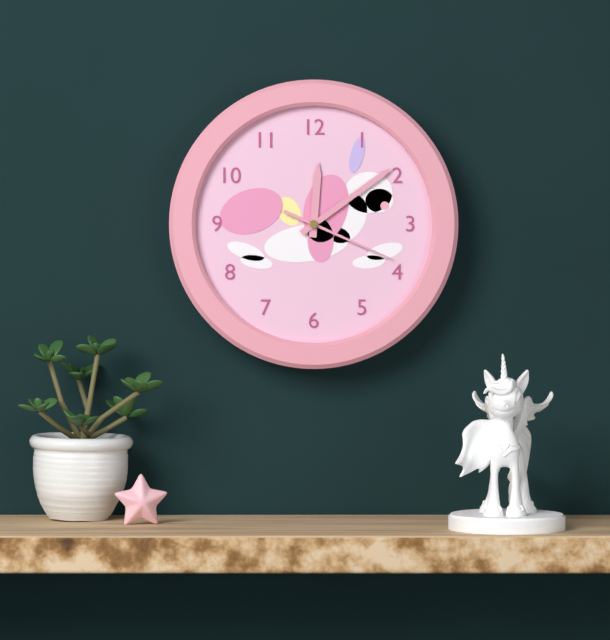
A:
12 h 09 min 19 s
